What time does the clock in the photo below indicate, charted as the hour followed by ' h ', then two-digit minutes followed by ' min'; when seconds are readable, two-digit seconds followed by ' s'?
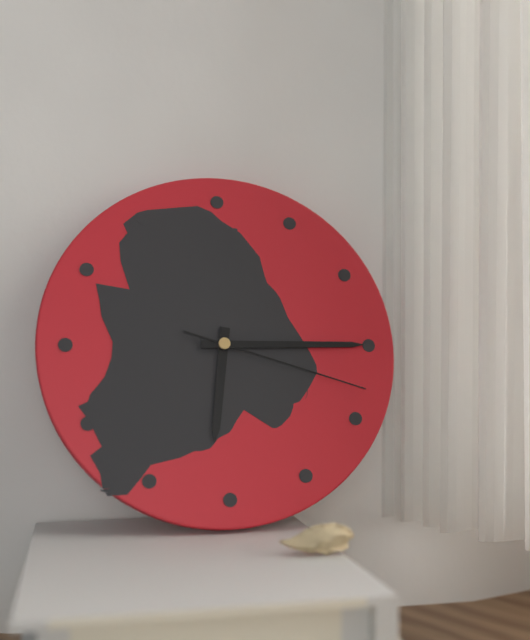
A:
6 h 15 min 18 s
